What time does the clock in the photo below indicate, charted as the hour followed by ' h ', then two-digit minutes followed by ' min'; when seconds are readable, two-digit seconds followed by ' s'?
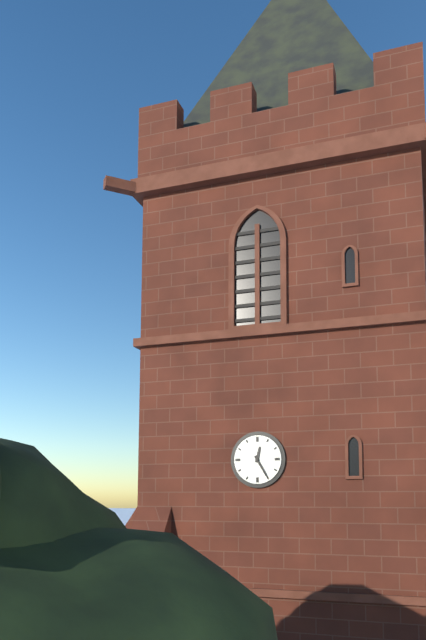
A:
12 h 25 min
